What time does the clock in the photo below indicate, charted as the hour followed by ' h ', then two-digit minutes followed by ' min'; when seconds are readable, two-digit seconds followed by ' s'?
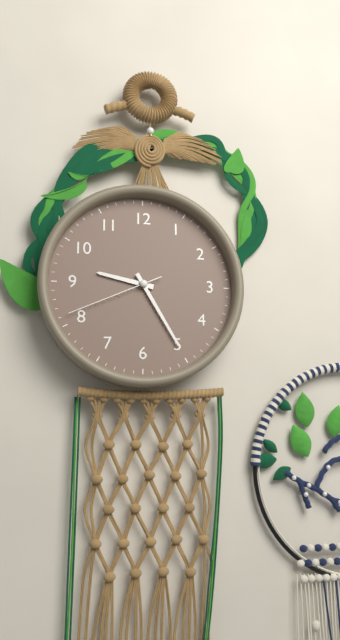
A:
9 h 25 min 41 s
